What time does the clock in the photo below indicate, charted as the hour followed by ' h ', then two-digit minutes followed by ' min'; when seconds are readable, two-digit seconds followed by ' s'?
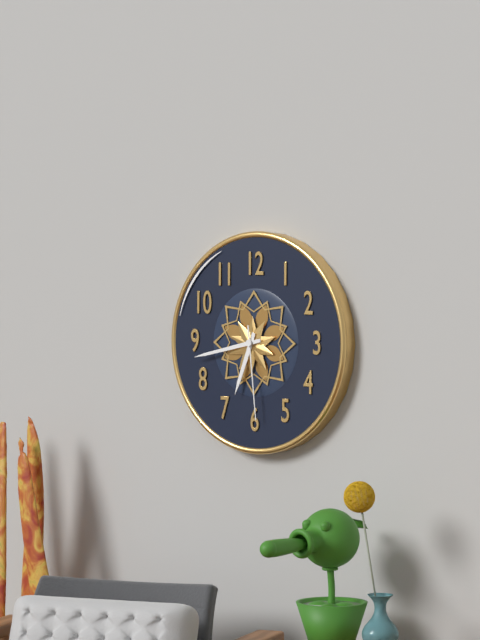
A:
6 h 43 min 29 s
